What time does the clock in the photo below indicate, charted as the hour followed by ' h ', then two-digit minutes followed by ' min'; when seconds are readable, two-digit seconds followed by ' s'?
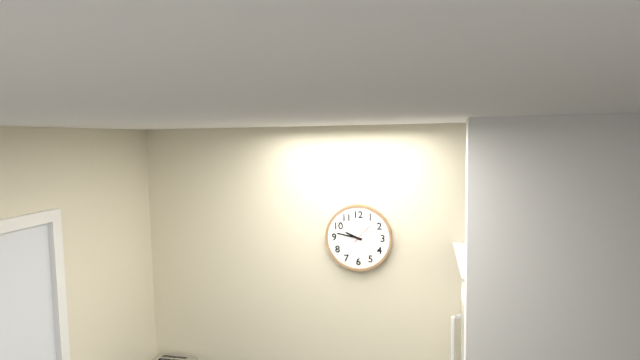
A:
9 h 47 min
